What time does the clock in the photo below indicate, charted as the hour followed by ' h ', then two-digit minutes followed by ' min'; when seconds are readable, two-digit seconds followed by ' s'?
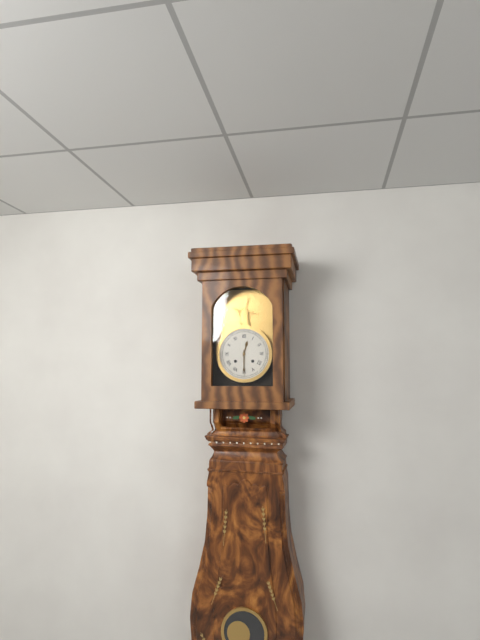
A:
12 h 30 min
